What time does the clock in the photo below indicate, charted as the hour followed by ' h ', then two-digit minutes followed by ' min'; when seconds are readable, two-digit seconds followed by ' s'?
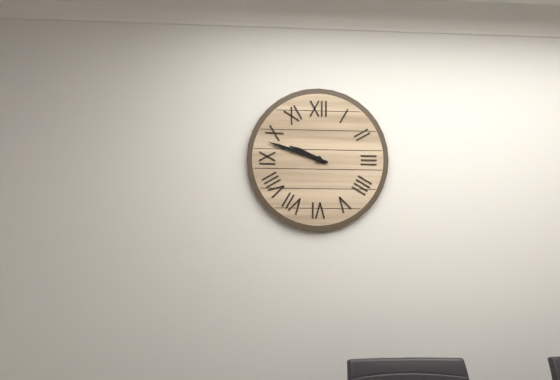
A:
9 h 48 min
